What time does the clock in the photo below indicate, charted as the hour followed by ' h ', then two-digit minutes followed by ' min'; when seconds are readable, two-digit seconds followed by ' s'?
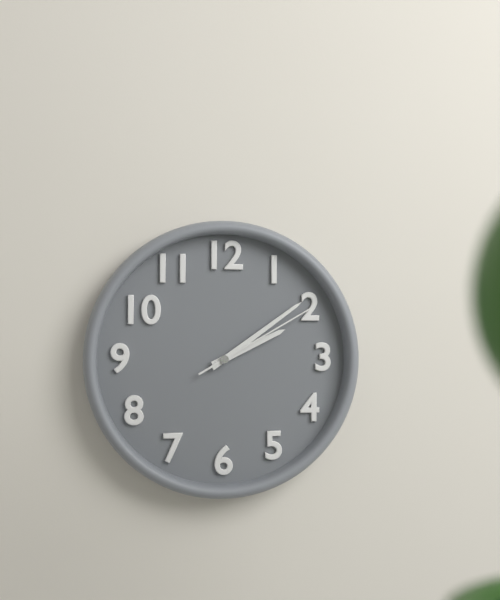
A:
2 h 09 min 10 s
